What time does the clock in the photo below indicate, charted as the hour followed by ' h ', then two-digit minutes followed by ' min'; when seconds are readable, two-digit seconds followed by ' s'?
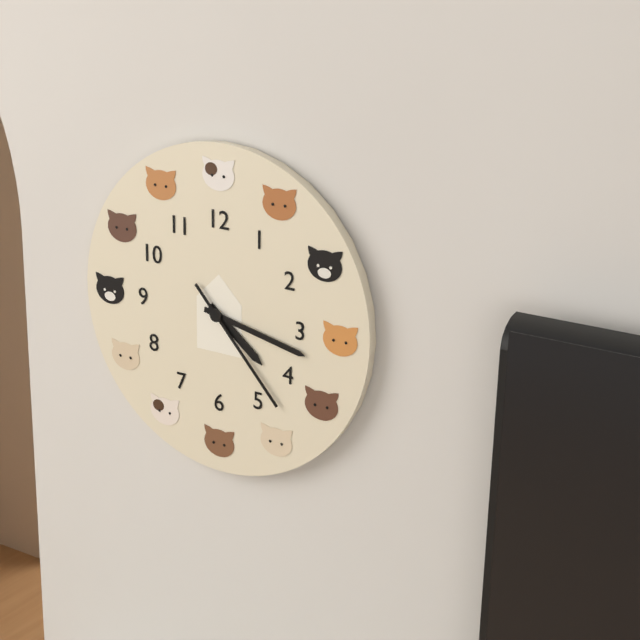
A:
4 h 17 min 23 s
